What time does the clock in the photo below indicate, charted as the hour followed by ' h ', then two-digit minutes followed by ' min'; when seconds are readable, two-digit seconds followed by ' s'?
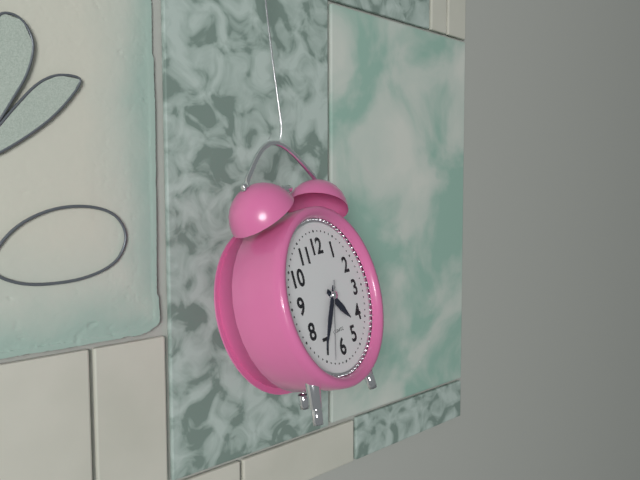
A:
4 h 36 min 34 s
